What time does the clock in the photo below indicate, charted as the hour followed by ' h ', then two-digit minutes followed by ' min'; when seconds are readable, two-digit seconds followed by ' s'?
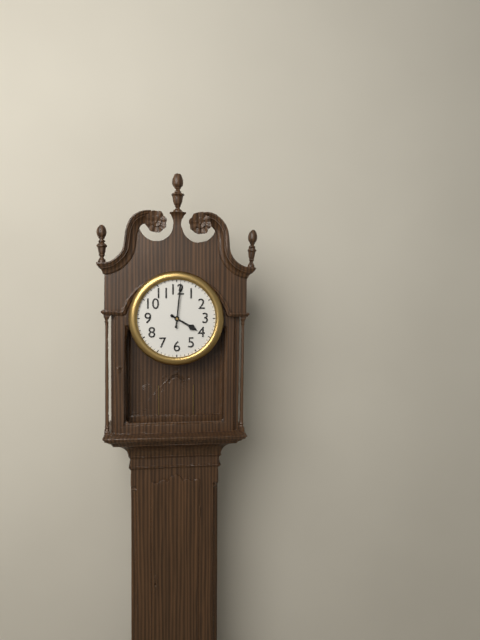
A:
4 h 01 min
